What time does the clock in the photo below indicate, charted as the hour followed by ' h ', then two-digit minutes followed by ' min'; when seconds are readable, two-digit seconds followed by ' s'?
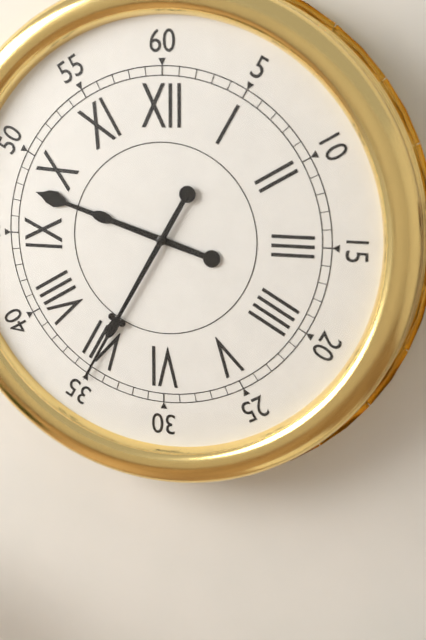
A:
9 h 35 min
